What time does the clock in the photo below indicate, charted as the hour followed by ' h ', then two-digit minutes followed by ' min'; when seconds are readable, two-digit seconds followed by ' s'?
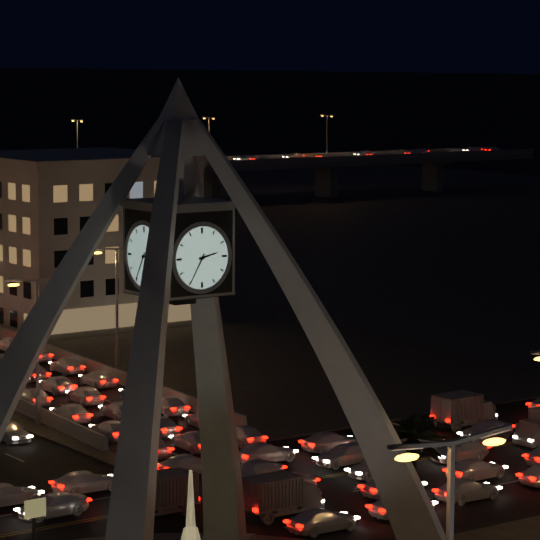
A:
2 h 35 min
